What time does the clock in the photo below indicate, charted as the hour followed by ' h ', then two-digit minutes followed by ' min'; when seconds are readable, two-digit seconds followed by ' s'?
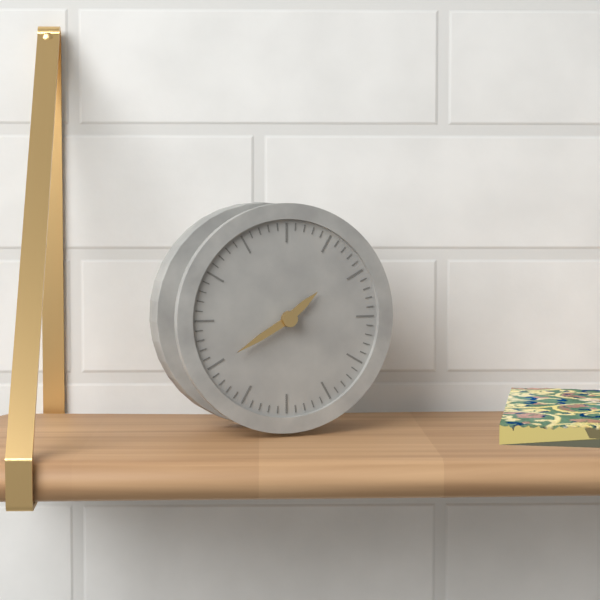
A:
1 h 40 min
